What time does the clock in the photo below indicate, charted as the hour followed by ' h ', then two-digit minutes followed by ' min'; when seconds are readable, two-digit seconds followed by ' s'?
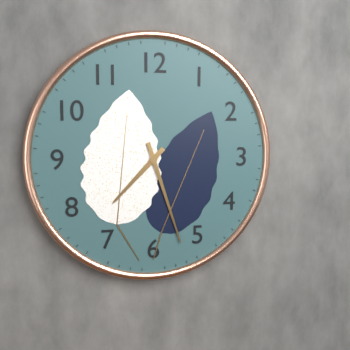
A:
7 h 27 min
